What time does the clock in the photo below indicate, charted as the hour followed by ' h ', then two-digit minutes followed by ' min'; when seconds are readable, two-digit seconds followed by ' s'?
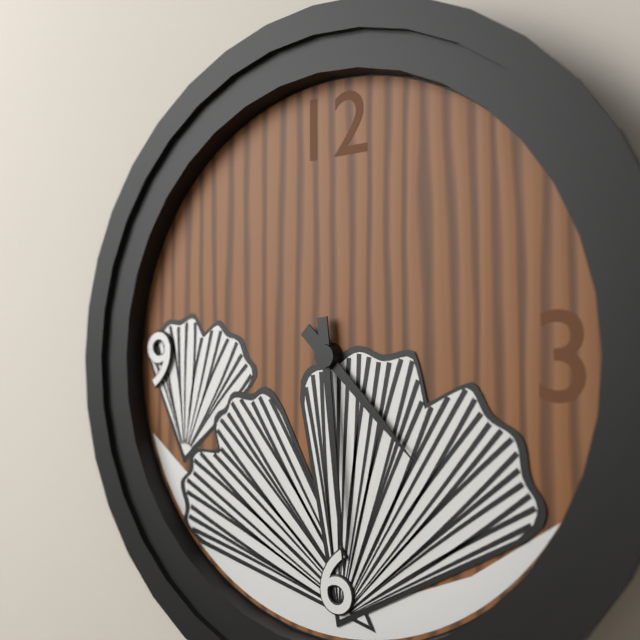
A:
4 h 29 min
